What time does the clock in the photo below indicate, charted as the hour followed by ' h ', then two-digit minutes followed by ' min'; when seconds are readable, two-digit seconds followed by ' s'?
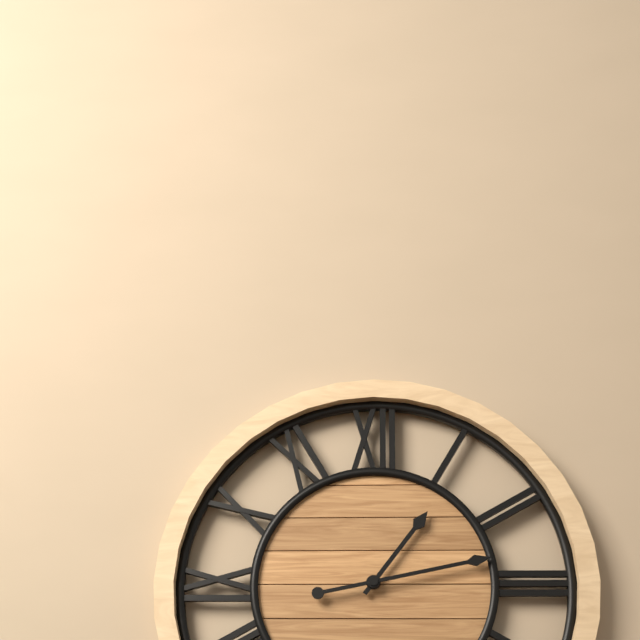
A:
1 h 13 min
